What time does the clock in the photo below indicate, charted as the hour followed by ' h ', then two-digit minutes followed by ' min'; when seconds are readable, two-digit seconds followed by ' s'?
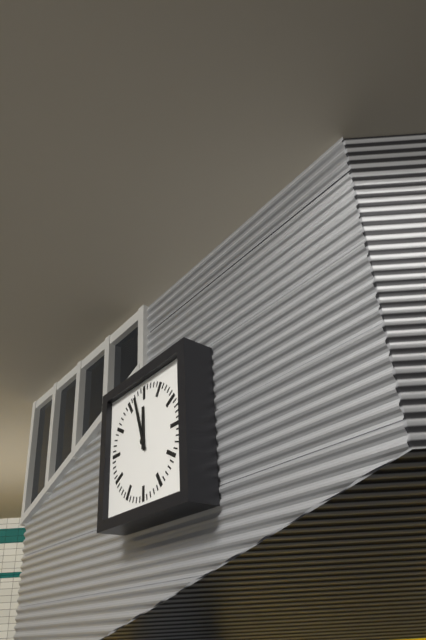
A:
11 h 57 min
